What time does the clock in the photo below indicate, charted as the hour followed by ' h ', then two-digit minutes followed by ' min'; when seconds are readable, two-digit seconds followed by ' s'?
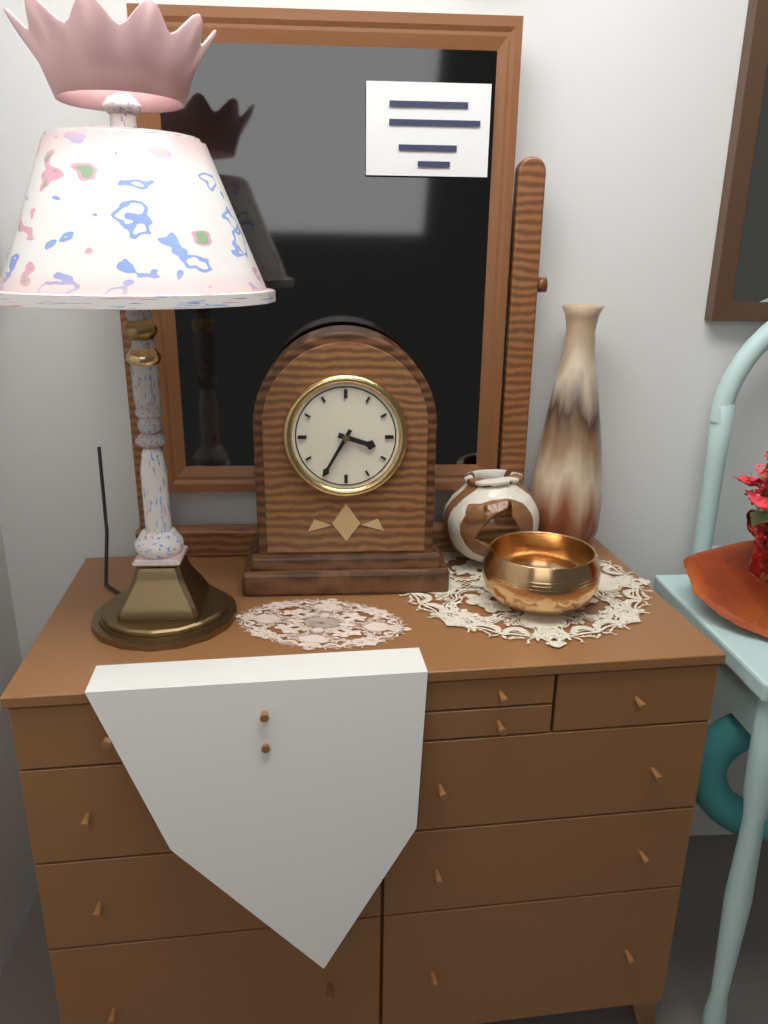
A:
3 h 35 min
